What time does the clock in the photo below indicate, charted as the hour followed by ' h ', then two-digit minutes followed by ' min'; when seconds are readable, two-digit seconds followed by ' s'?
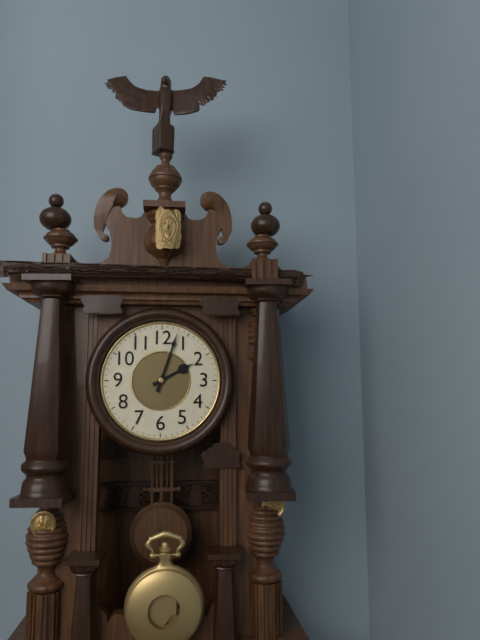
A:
2 h 03 min
